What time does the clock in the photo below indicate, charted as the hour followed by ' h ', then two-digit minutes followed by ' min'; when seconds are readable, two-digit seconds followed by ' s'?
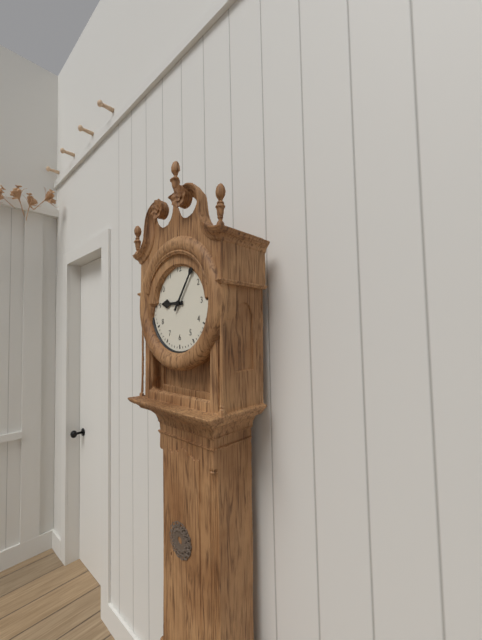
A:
9 h 06 min
